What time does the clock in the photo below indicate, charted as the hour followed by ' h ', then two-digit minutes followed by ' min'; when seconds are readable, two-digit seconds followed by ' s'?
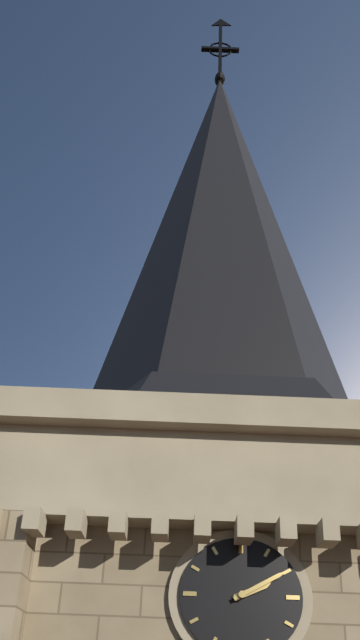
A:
2 h 10 min
